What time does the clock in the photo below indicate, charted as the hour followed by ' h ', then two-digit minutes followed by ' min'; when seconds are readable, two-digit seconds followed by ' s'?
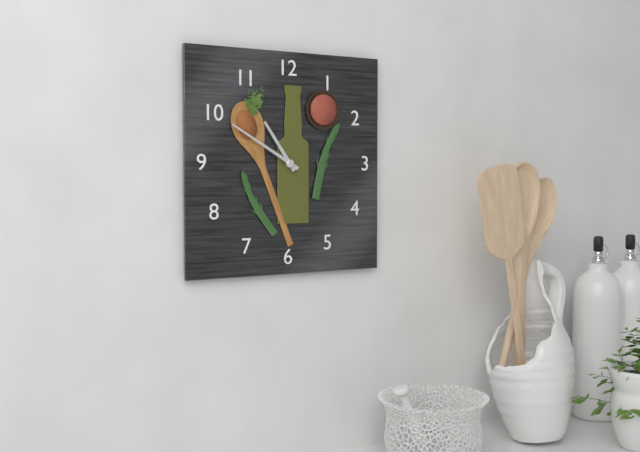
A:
10 h 50 min
